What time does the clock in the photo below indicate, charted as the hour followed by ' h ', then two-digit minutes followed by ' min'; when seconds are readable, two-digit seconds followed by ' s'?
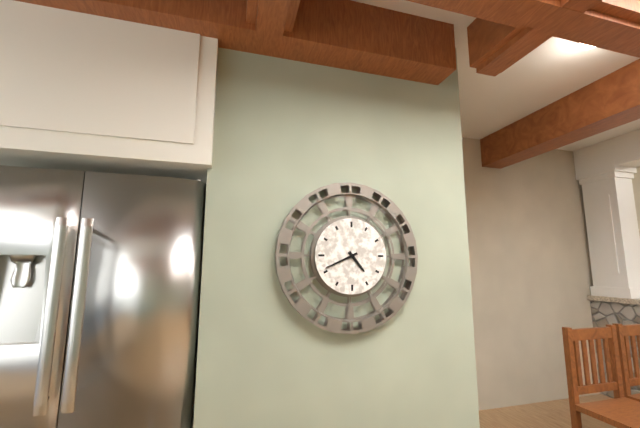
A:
4 h 41 min
